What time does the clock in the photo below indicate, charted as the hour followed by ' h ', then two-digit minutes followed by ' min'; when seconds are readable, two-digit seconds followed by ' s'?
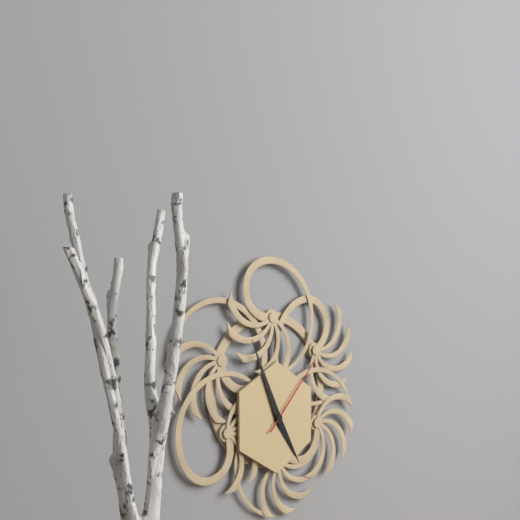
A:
4 h 56 min 07 s
